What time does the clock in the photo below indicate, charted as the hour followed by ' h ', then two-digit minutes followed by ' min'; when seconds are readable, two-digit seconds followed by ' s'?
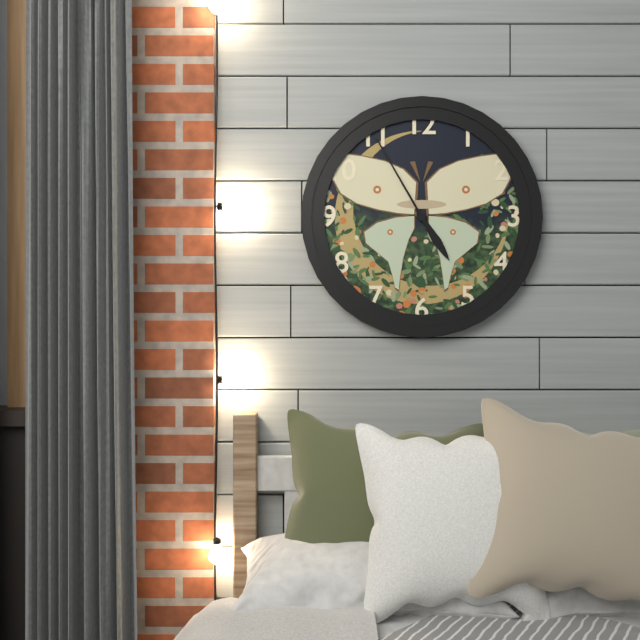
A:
4 h 55 min
